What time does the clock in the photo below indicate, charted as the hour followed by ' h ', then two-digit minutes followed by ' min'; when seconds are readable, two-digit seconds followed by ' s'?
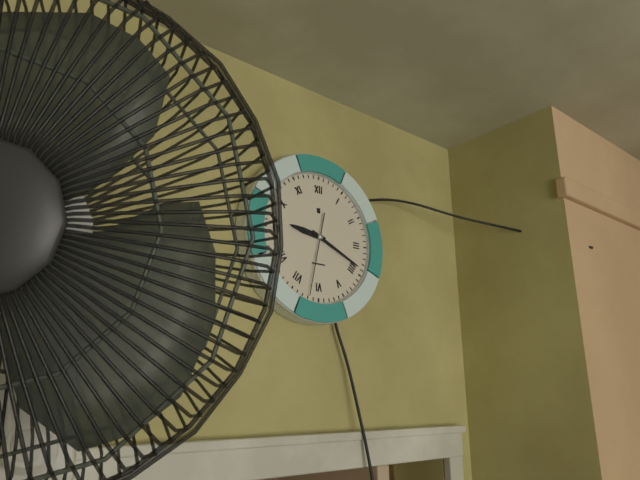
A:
9 h 19 min 32 s
